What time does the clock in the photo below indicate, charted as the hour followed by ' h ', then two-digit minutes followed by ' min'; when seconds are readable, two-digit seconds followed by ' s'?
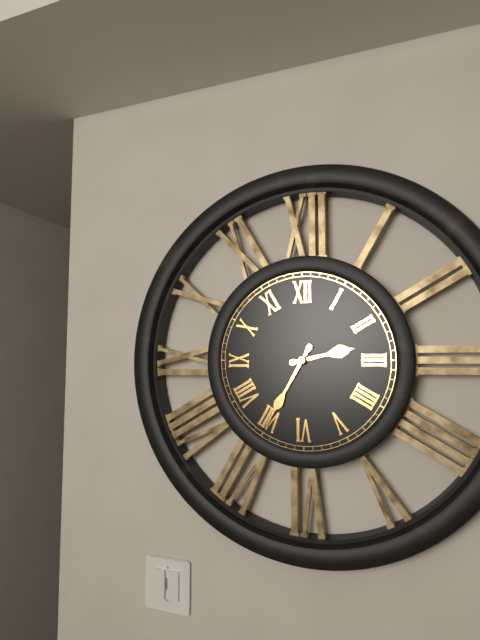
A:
2 h 35 min
